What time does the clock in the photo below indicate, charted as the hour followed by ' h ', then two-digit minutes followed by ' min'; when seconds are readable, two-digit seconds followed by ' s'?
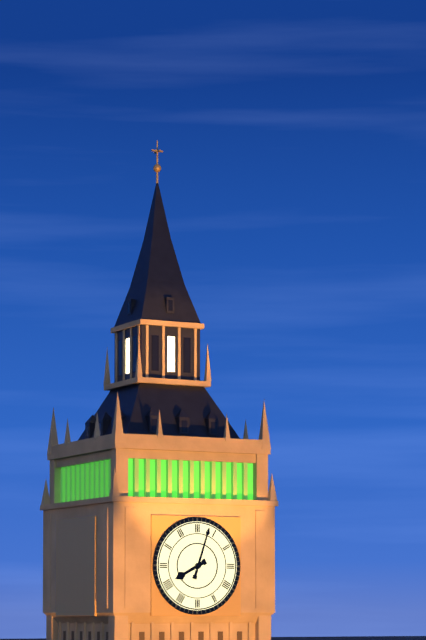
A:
8 h 03 min
